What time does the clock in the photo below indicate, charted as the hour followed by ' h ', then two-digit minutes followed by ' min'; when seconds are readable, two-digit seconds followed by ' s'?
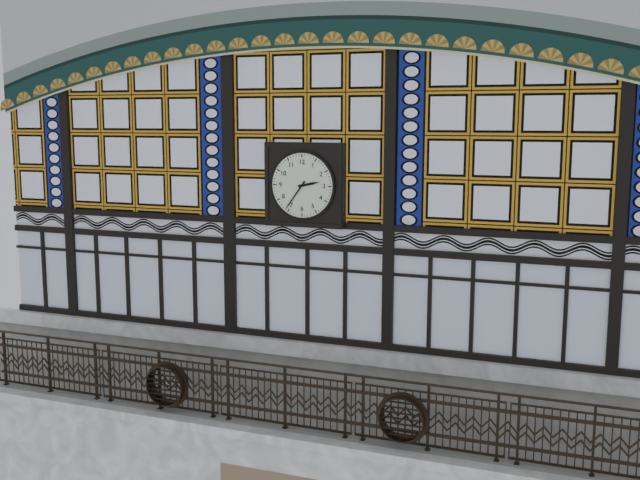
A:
2 h 36 min
